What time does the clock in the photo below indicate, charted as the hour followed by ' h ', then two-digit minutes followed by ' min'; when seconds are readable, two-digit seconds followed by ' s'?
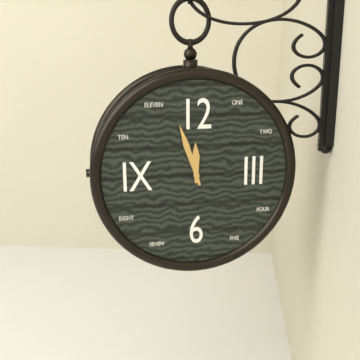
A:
11 h 57 min
